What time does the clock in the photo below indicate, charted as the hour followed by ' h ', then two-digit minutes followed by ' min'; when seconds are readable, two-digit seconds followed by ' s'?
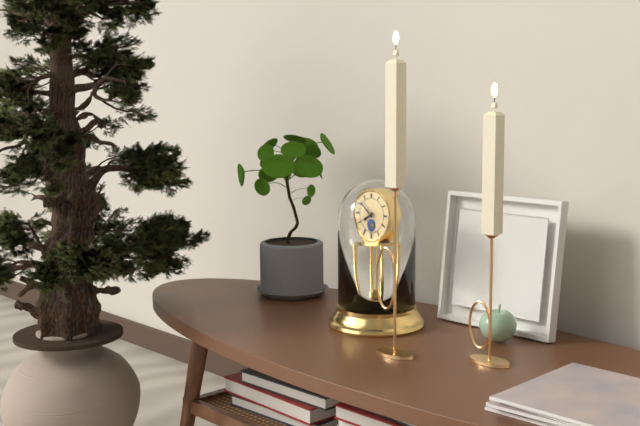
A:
7 h 52 min
